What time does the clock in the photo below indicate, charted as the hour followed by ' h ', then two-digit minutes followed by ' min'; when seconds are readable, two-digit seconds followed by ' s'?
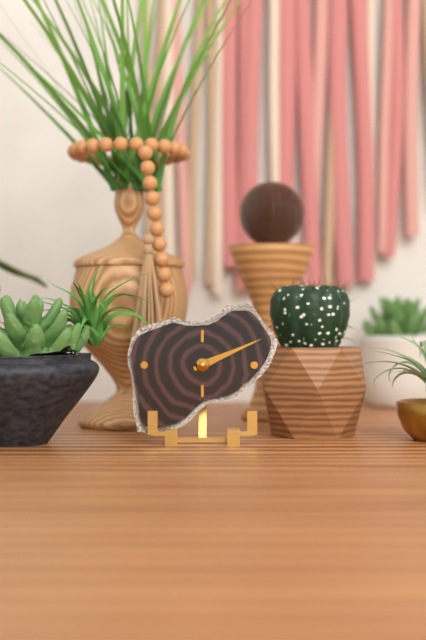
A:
2 h 11 min
